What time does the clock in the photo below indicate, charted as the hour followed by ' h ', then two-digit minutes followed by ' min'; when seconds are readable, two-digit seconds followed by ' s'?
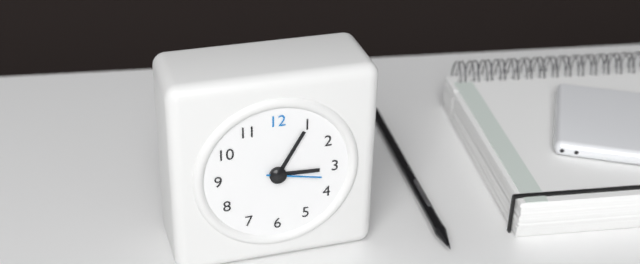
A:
3 h 05 min 17 s
